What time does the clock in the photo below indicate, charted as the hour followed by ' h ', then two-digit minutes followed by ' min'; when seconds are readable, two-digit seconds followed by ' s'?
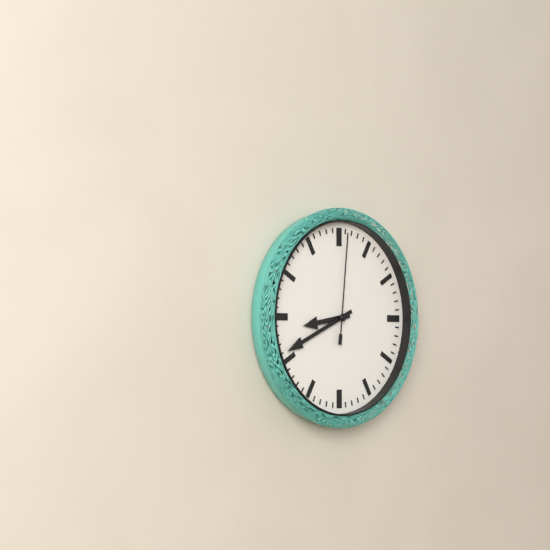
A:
8 h 41 min 01 s
